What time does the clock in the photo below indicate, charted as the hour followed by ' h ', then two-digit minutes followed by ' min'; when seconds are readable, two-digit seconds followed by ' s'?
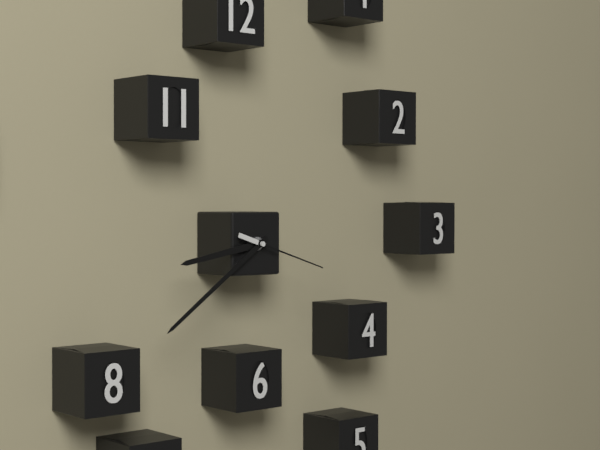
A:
8 h 39 min 18 s
